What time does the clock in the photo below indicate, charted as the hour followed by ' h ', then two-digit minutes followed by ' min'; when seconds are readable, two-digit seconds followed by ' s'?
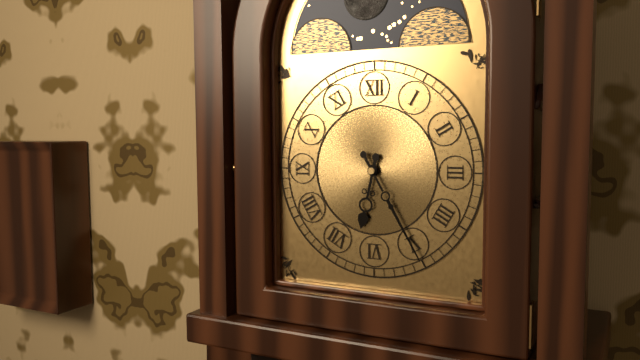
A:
6 h 25 min
